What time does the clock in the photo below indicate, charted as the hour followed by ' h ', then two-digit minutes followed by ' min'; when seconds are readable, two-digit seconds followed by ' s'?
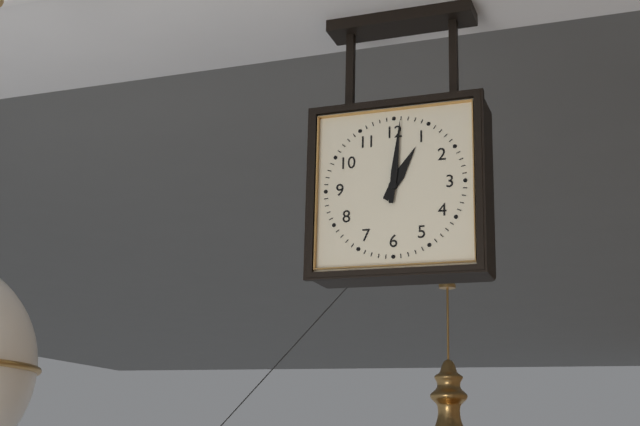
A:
1 h 01 min
